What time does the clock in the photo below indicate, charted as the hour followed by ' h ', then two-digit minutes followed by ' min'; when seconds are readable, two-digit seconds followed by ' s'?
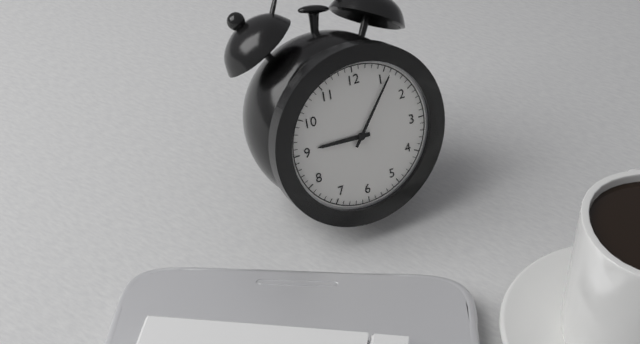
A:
9 h 06 min
